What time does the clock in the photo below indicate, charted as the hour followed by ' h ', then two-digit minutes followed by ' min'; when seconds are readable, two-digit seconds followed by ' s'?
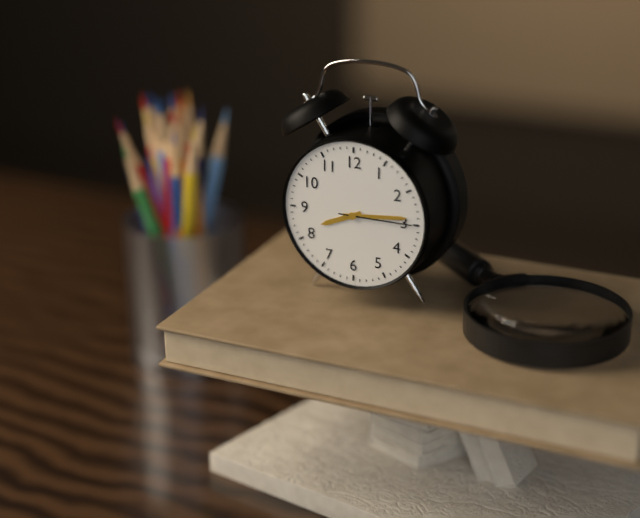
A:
8 h 14 min 15 s
